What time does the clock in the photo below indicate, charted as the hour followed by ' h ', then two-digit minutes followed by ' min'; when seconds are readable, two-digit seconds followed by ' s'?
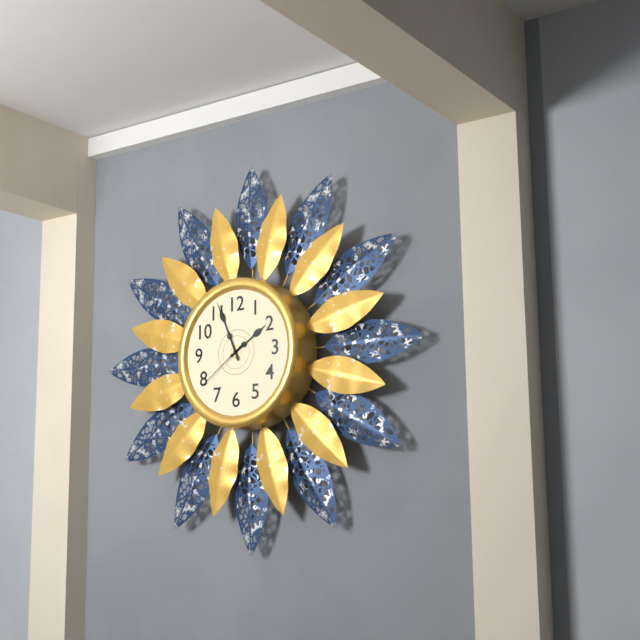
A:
1 h 56 min 39 s
